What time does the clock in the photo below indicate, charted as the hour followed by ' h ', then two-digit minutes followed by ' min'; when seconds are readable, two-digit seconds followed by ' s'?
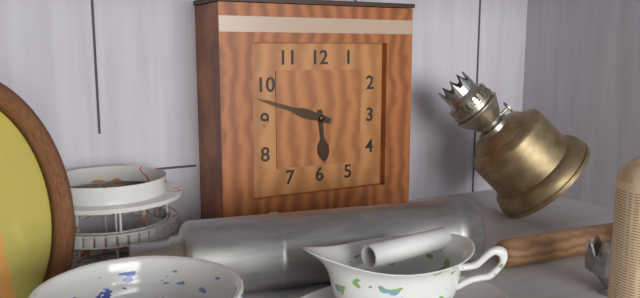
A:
5 h 48 min
